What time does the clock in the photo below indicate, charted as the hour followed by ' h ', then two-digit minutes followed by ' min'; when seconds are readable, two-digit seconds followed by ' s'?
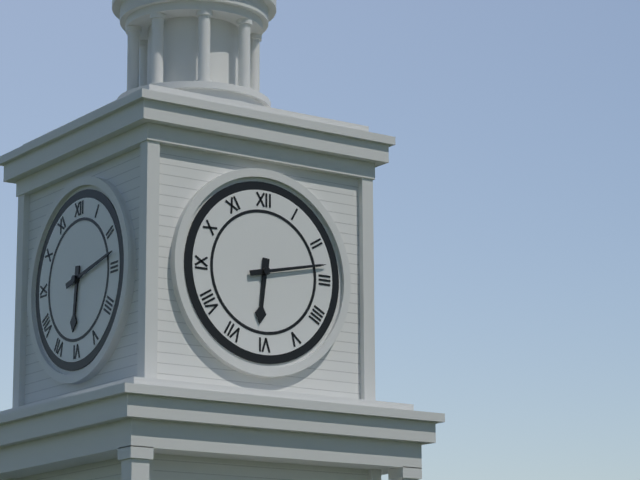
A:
6 h 13 min
